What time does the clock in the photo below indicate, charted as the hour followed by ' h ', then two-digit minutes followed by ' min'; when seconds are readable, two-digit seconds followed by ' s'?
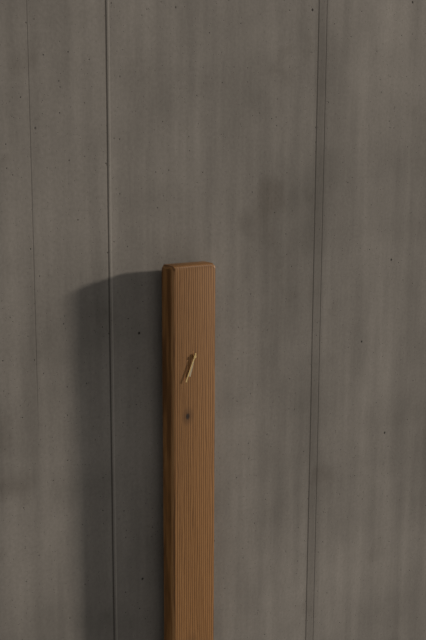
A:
6 h 34 min
